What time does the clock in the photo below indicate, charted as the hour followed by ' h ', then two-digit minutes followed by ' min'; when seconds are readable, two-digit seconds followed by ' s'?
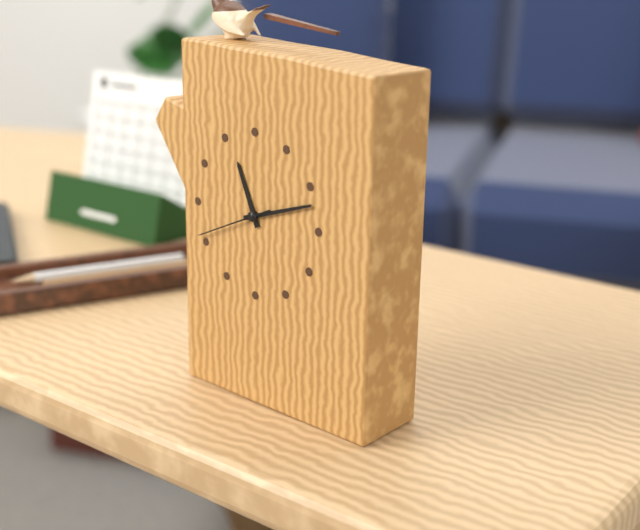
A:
11 h 12 min 41 s
